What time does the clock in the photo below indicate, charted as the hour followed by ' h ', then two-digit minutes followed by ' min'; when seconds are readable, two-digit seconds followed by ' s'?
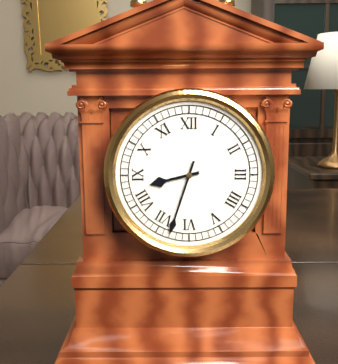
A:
8 h 33 min
